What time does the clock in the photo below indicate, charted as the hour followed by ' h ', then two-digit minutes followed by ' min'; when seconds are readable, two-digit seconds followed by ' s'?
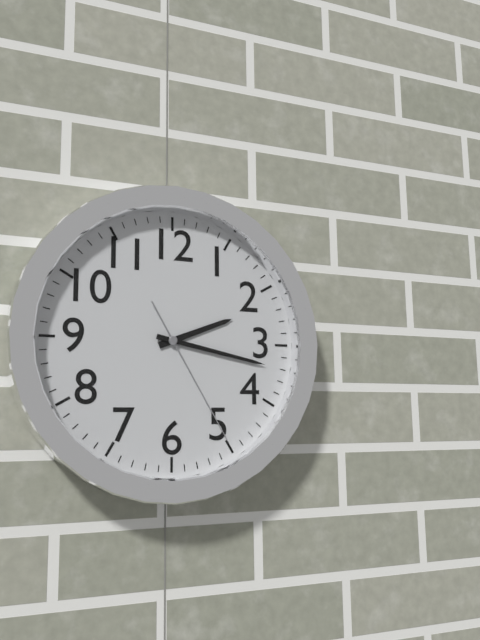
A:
2 h 17 min 25 s
